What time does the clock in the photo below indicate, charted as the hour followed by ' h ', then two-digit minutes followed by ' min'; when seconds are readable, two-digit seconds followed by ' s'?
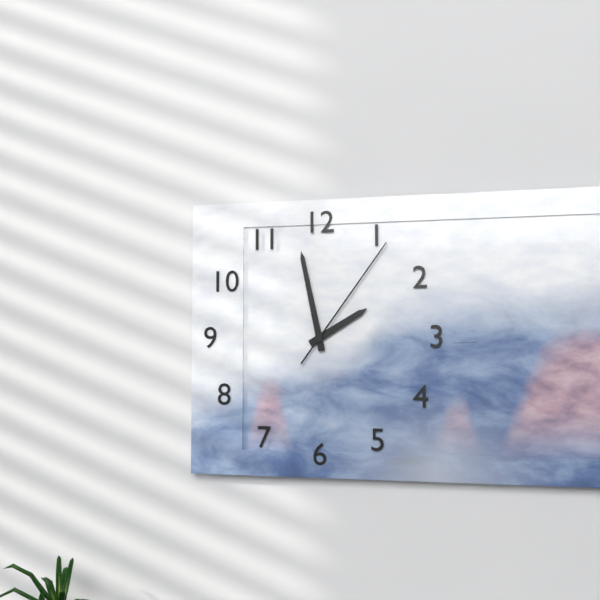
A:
1 h 58 min 06 s
